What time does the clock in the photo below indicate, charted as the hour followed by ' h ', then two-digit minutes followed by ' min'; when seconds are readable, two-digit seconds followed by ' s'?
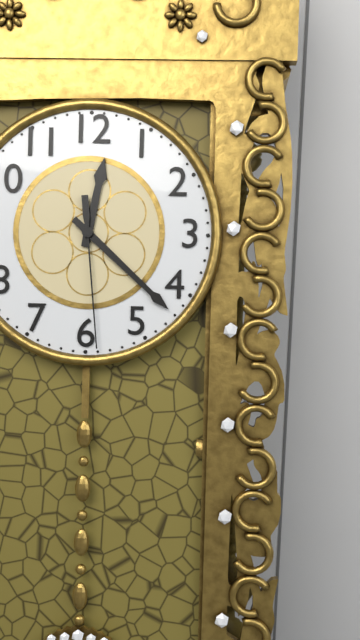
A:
12 h 22 min 29 s
